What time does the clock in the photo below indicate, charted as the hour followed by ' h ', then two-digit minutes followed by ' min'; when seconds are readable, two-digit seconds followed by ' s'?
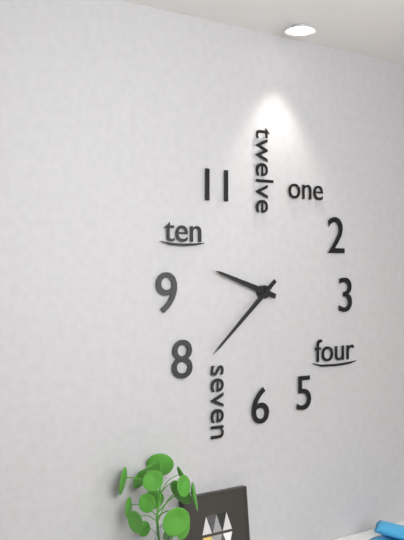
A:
9 h 38 min
